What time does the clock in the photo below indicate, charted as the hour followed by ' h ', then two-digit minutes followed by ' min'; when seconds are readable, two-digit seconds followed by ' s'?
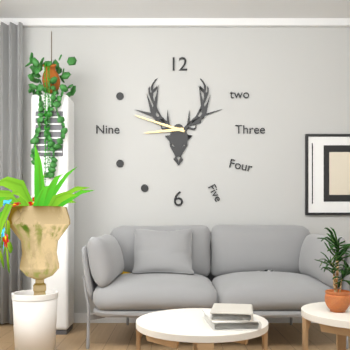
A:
8 h 48 min
